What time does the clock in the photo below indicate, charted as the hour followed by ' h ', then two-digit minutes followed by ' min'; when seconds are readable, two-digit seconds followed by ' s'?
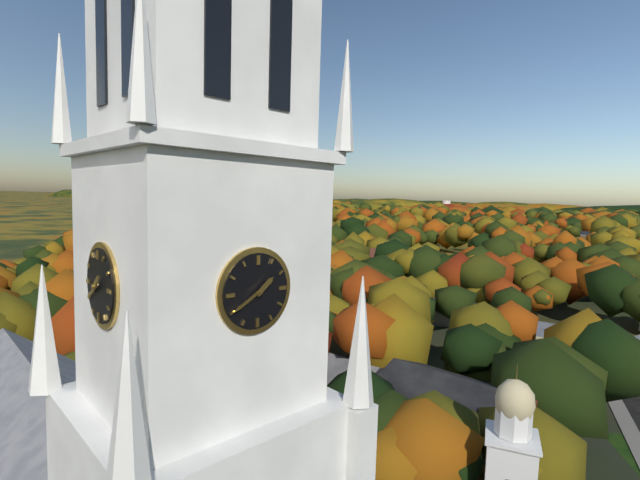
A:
1 h 40 min
